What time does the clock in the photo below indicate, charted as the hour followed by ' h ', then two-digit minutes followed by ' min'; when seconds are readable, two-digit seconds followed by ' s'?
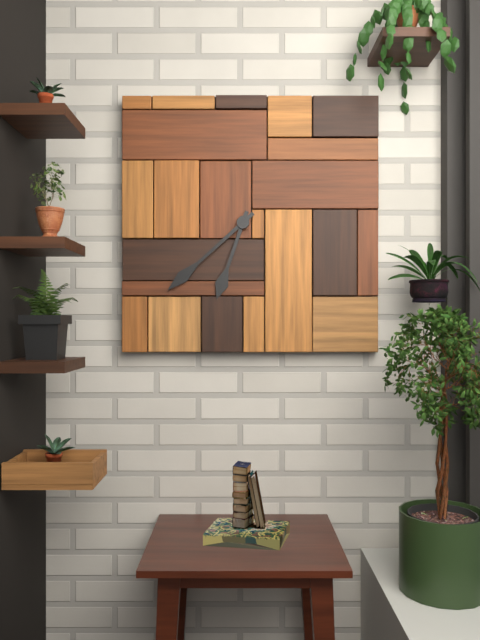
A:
6 h 38 min
